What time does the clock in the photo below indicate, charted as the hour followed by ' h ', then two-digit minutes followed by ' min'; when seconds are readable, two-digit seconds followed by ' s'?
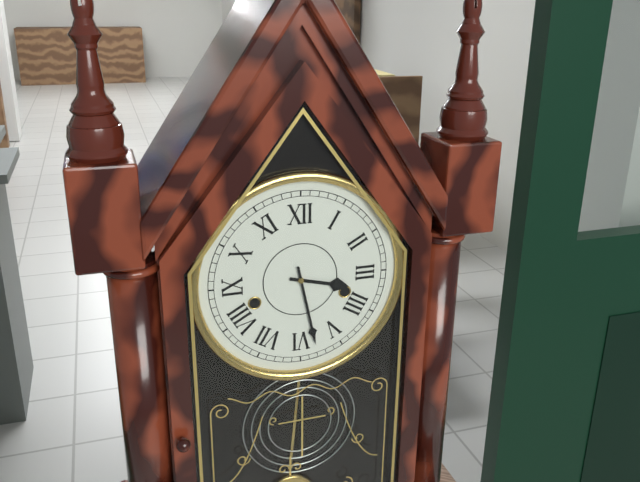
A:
3 h 28 min
